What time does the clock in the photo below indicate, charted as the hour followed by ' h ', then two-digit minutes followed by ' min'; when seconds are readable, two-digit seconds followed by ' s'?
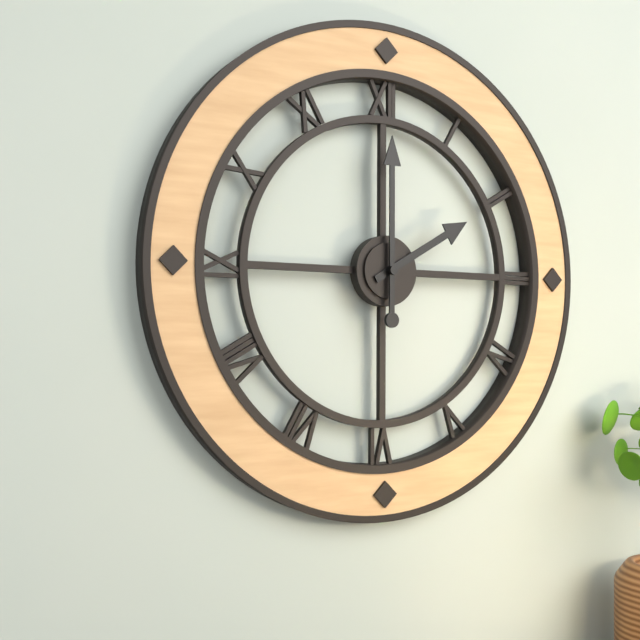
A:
2 h 00 min
